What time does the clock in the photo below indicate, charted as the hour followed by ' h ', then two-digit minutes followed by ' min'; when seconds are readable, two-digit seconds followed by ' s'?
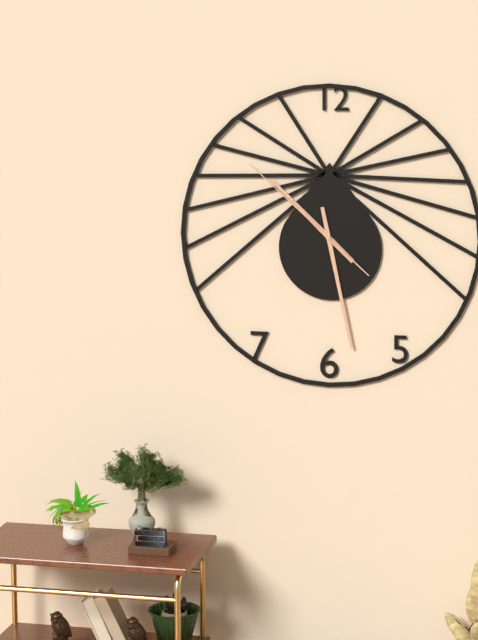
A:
10 h 28 min 52 s
